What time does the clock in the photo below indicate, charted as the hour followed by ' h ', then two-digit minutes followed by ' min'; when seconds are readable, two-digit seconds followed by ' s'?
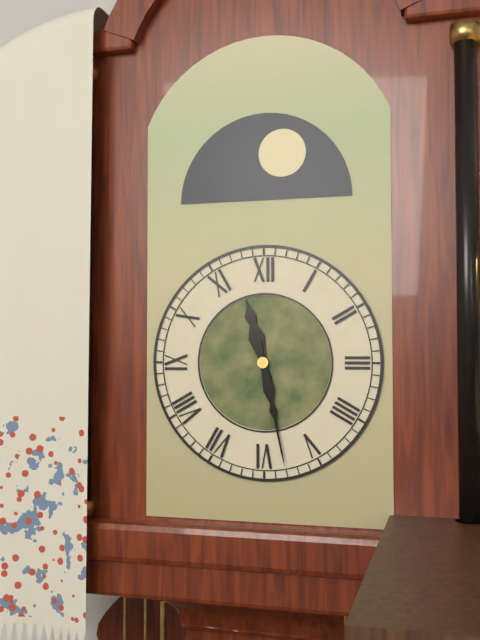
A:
11 h 28 min
